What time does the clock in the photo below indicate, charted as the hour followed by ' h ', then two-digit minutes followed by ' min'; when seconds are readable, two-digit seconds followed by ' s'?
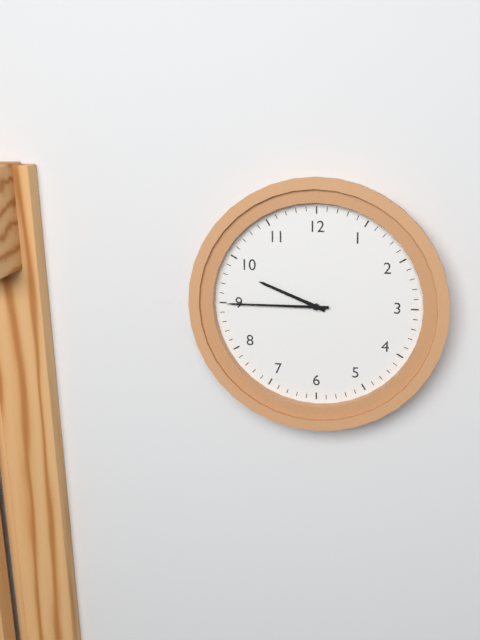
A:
9 h 45 min
